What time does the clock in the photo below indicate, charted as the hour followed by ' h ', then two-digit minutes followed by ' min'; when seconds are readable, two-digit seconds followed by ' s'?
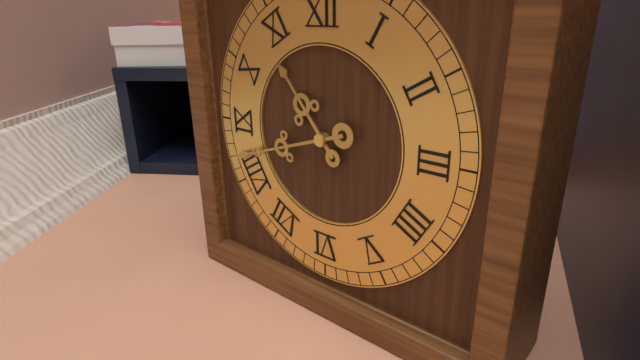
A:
10 h 42 min
